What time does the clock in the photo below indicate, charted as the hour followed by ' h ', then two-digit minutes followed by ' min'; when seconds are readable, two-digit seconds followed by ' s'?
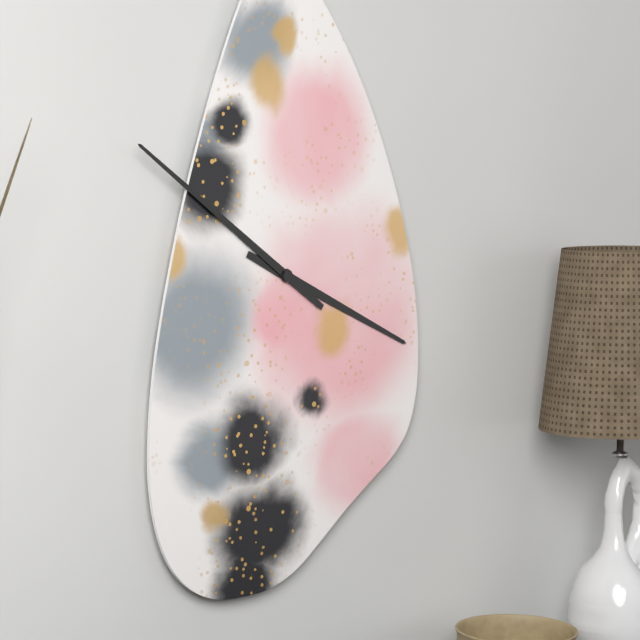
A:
3 h 51 min
